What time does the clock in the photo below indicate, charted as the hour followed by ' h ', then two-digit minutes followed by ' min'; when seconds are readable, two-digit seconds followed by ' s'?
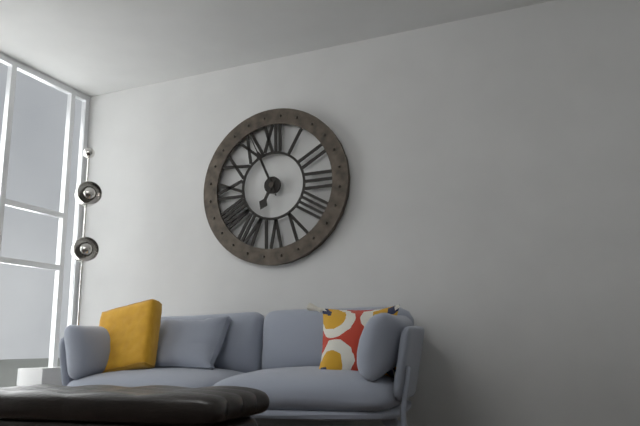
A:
6 h 56 min 56 s
